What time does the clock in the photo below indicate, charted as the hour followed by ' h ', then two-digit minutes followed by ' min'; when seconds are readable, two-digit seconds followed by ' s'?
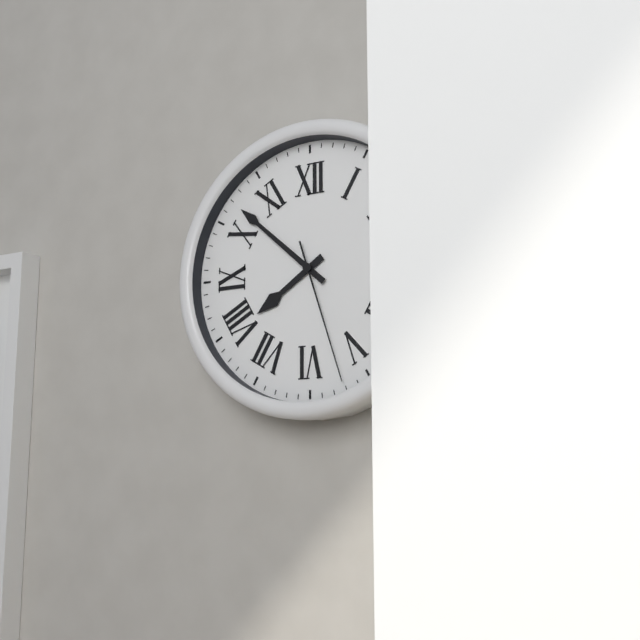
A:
7 h 52 min 27 s
